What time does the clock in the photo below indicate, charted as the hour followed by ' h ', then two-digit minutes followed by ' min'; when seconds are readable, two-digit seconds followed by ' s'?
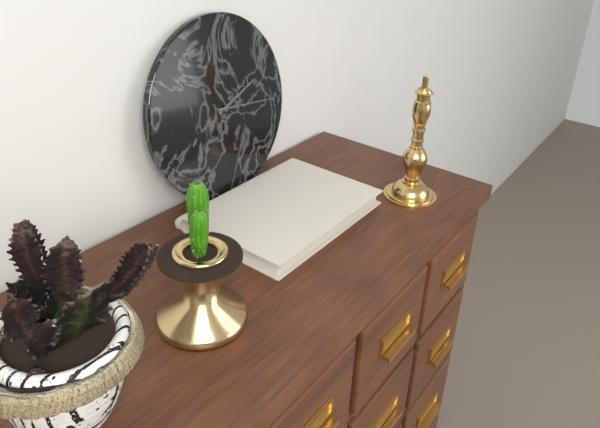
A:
2 h 16 min
